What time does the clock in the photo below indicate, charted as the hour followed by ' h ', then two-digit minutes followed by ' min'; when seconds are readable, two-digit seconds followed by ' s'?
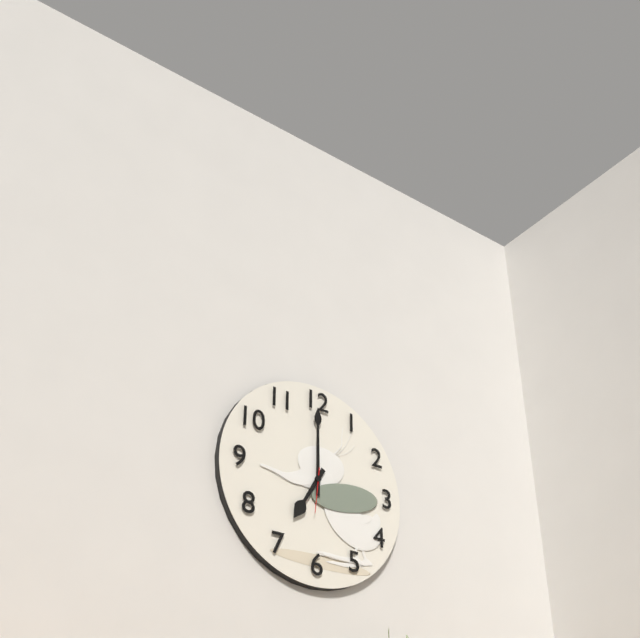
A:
7 h 00 min
